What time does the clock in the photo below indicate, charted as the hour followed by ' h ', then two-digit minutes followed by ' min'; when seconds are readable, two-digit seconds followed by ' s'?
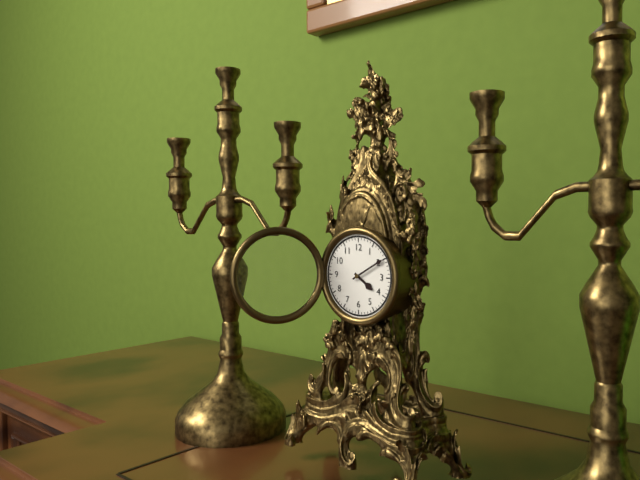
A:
4 h 10 min
